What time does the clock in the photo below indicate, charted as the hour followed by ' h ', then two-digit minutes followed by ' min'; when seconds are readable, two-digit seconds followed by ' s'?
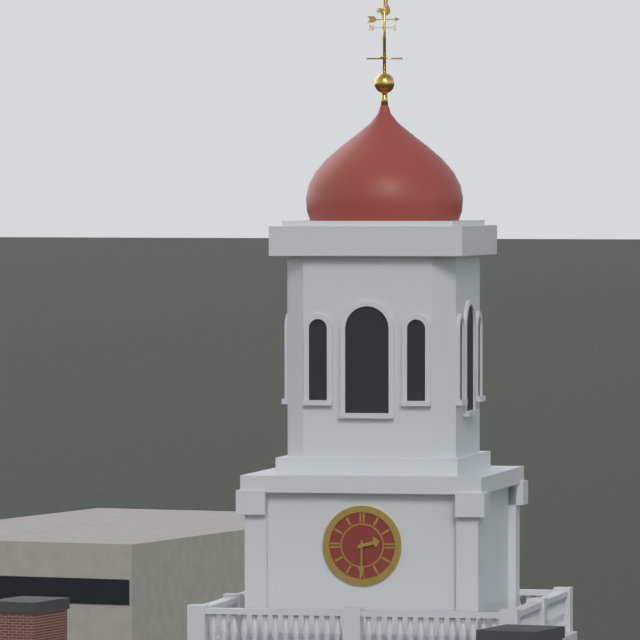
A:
2 h 30 min
